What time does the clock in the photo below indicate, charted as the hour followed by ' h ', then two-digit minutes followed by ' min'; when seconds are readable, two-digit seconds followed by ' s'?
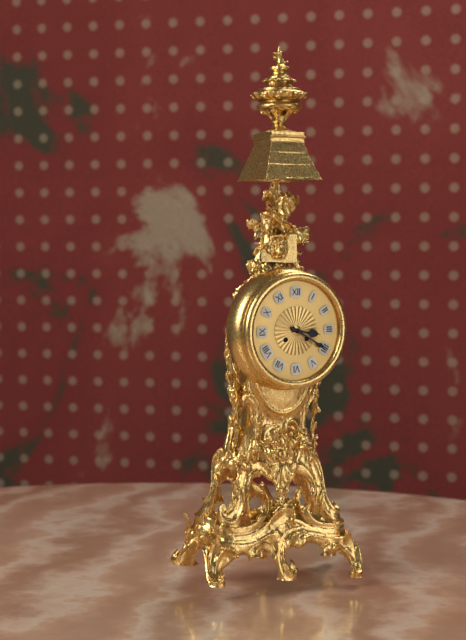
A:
3 h 20 min
